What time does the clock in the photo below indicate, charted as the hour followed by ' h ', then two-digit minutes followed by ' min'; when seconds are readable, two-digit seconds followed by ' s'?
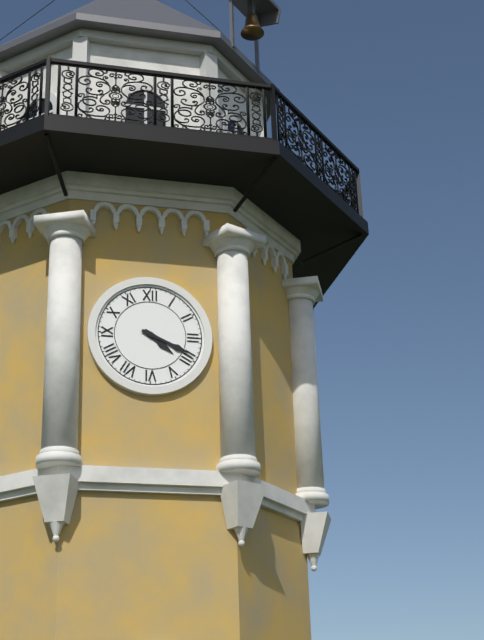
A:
4 h 19 min
